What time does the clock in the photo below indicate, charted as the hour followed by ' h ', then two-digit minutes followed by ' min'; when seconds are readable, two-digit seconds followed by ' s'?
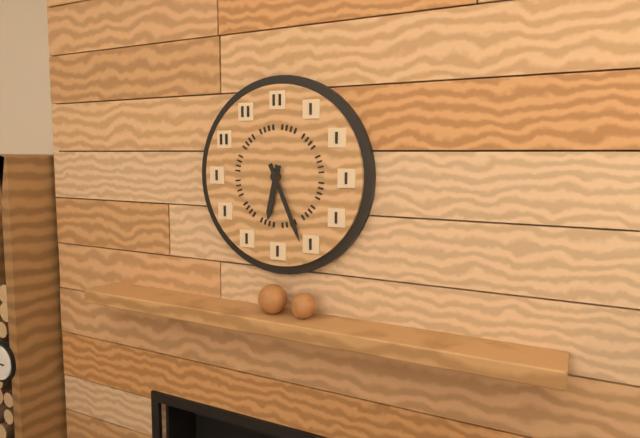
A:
6 h 26 min
